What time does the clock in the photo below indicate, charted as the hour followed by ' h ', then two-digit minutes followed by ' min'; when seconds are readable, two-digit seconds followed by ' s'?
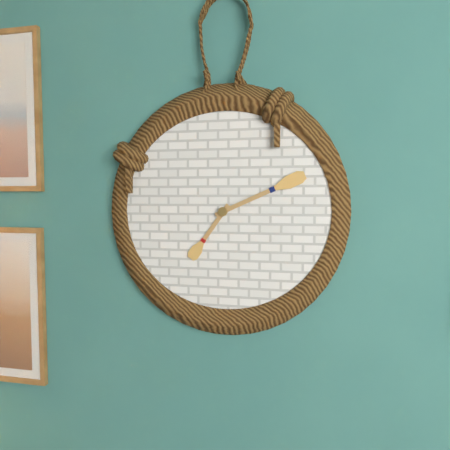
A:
7 h 11 min
